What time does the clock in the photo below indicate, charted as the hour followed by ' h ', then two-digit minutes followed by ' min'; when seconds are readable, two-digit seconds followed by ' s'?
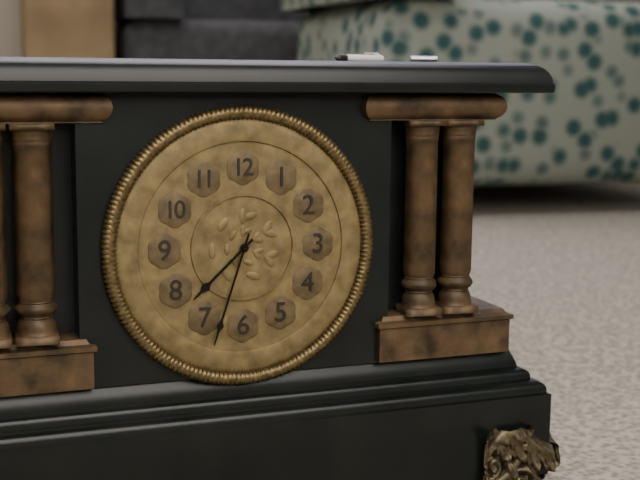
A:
7 h 33 min
